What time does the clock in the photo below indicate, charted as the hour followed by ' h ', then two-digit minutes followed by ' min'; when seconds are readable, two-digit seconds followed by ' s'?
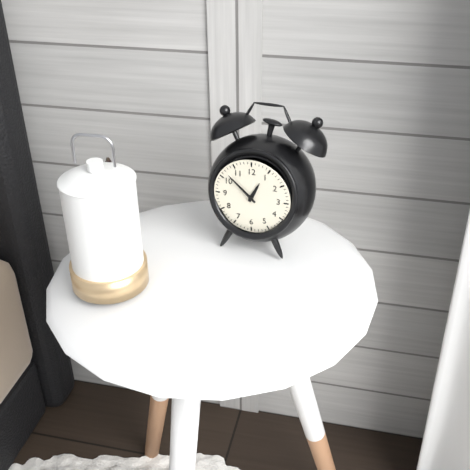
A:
12 h 52 min
